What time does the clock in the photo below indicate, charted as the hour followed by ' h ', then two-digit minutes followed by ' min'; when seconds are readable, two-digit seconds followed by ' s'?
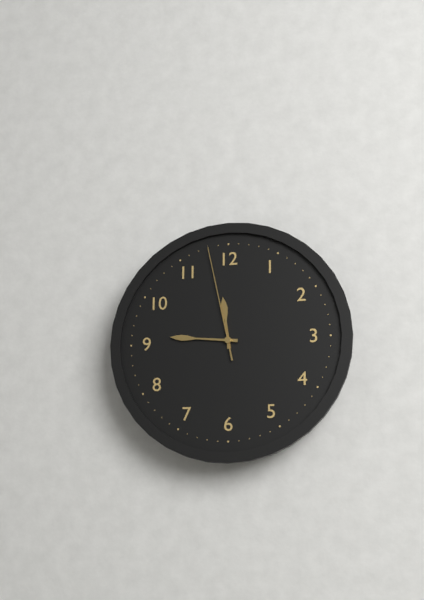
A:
11 h 46 min 58 s
